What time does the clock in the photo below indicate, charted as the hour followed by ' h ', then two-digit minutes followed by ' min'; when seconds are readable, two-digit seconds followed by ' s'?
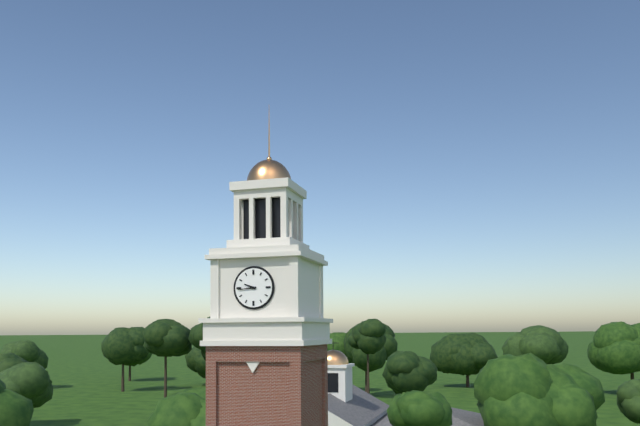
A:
9 h 44 min
